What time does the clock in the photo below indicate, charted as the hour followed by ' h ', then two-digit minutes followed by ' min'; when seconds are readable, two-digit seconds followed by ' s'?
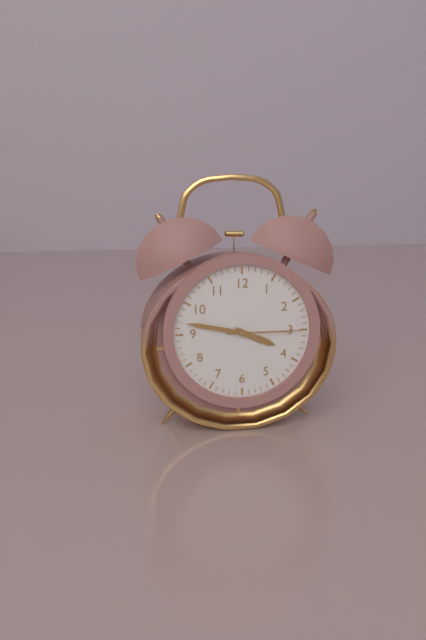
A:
3 h 47 min 15 s
